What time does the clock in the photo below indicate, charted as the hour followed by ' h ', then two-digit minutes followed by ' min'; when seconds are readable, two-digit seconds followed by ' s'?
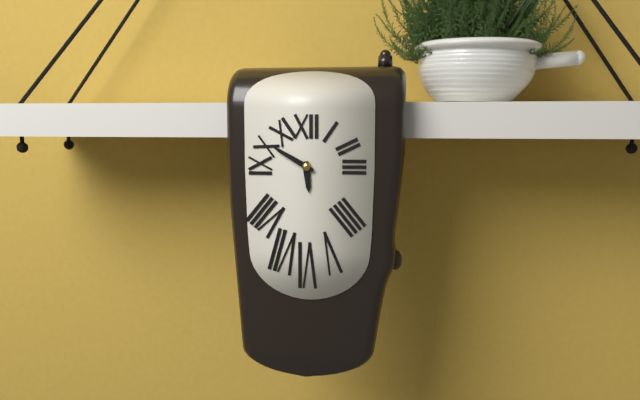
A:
5 h 50 min
